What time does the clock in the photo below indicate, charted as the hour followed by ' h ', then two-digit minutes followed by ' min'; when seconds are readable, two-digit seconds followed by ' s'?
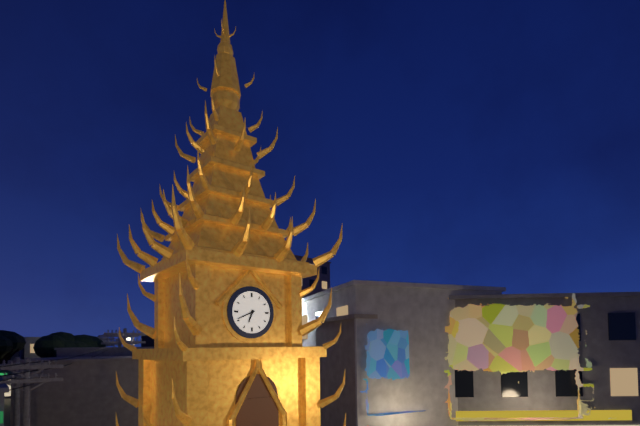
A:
6 h 41 min
